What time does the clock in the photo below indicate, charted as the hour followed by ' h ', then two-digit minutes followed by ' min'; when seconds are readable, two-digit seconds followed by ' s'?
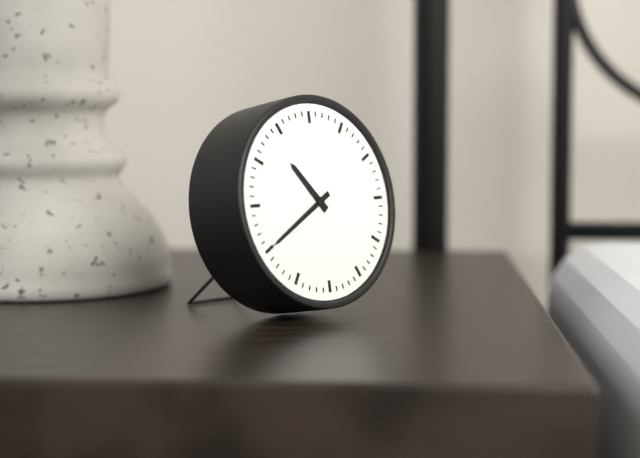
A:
10 h 40 min
